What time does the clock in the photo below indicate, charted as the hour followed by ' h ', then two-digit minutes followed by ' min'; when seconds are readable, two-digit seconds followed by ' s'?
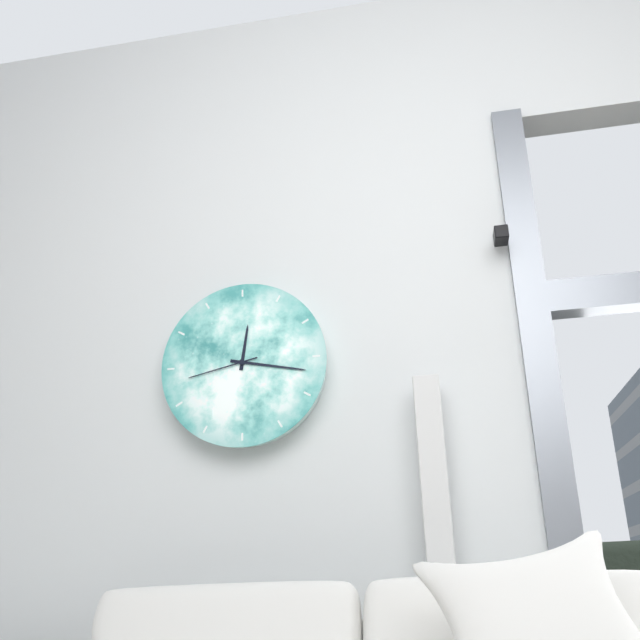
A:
12 h 17 min 43 s
